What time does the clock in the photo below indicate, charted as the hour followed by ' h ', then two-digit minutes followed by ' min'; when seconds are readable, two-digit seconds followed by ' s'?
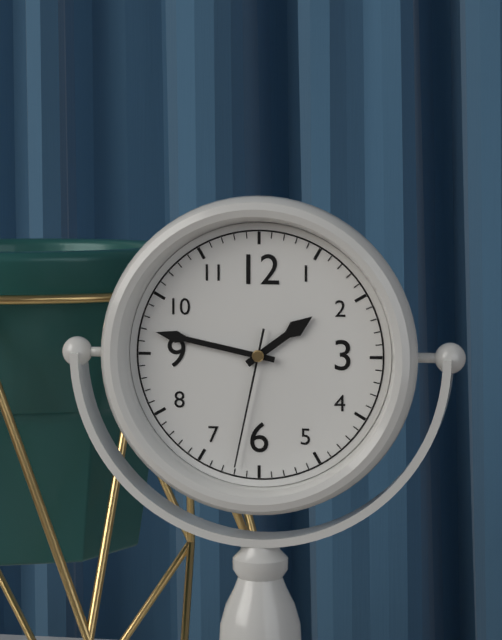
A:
1 h 47 min 32 s
